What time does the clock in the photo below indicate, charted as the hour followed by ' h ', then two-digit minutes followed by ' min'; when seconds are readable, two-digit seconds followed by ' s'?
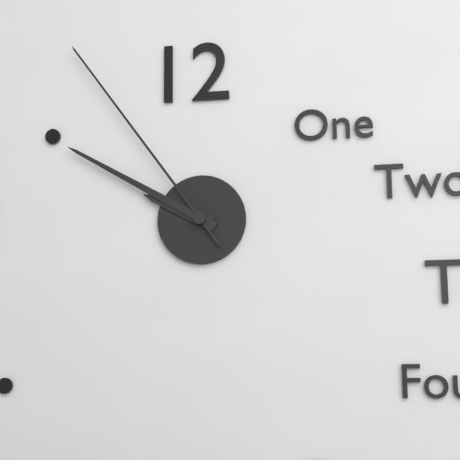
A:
9 h 50 min 54 s
